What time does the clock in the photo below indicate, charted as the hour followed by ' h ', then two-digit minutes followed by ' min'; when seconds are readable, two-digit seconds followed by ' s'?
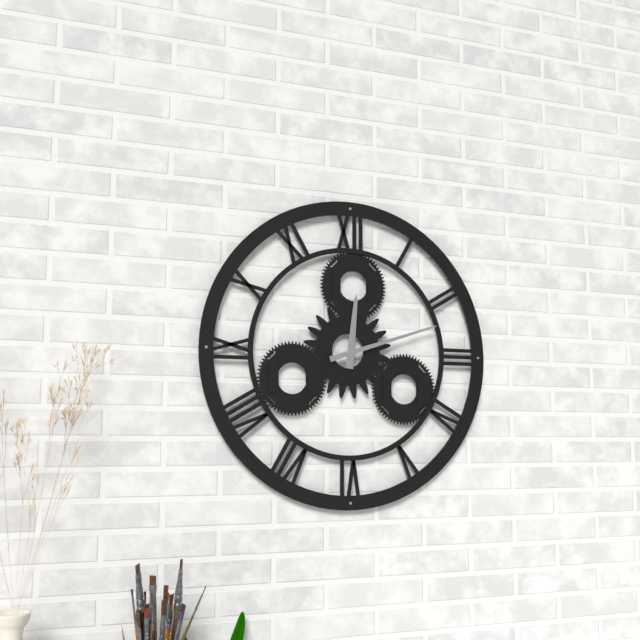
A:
12 h 12 min
